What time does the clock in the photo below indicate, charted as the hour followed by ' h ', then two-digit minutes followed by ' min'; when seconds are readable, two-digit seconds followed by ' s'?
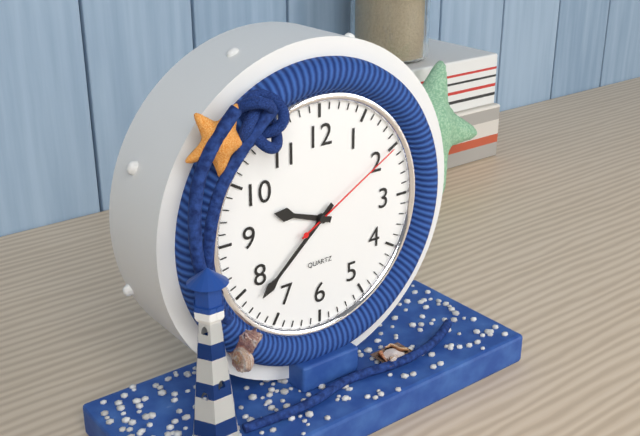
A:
9 h 38 min 10 s
